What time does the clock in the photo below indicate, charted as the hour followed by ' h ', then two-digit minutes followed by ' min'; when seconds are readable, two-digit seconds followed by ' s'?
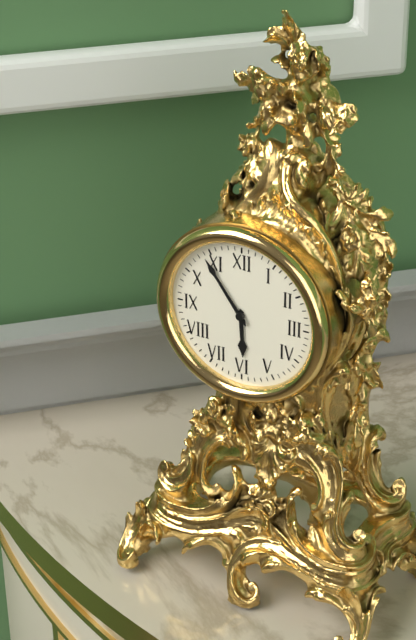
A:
5 h 54 min
